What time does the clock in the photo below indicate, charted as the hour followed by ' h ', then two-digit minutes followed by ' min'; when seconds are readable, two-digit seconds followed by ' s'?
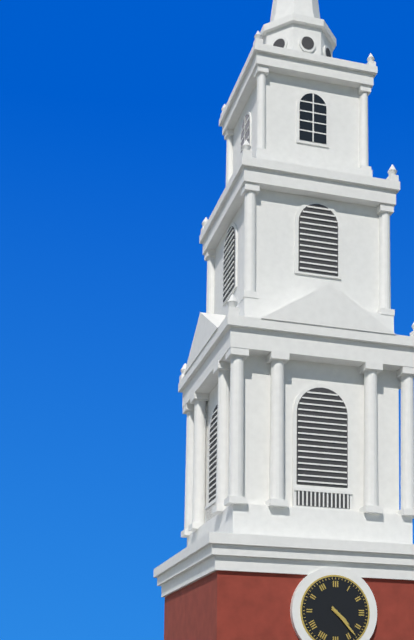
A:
4 h 23 min
